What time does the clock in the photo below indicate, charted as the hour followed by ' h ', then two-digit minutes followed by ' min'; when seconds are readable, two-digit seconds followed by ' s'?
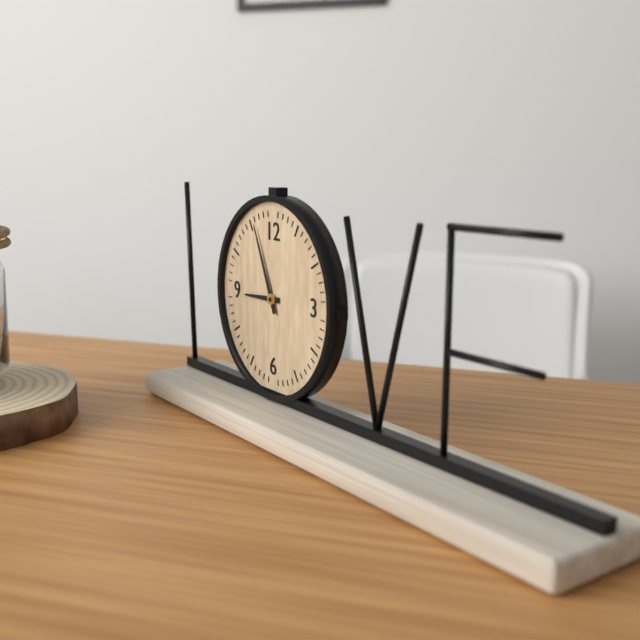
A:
8 h 56 min
